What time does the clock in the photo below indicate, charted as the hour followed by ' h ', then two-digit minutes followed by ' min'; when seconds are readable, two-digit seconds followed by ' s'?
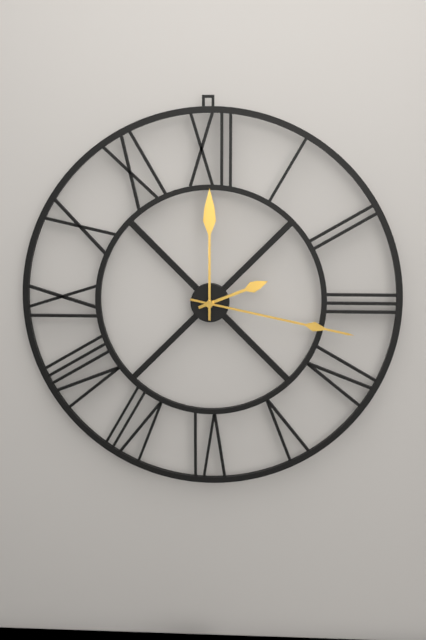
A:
2 h 17 min 00 s
